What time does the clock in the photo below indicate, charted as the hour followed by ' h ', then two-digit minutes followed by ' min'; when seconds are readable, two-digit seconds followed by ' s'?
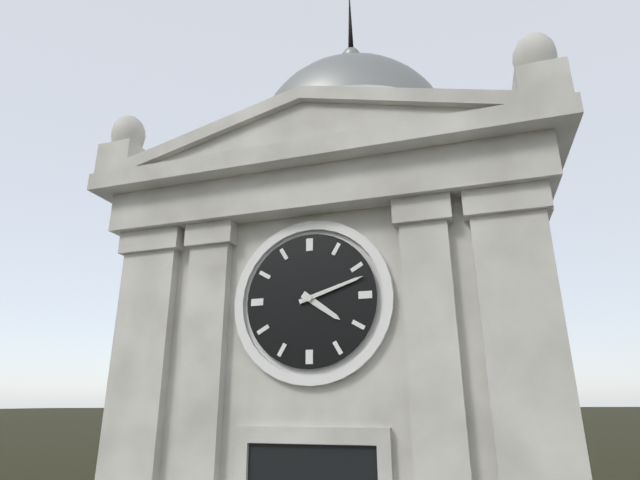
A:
4 h 12 min
